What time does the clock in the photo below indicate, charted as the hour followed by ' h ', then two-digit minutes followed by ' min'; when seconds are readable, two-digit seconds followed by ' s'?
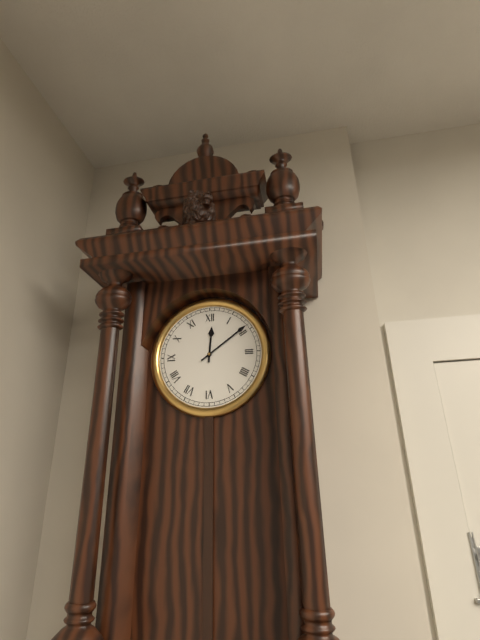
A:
12 h 09 min
